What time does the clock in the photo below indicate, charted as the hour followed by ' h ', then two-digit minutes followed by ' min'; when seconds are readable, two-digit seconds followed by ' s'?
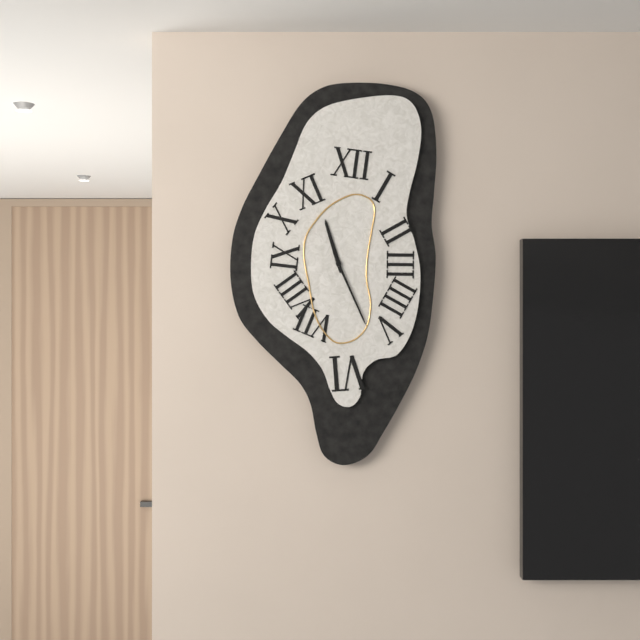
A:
11 h 26 min
